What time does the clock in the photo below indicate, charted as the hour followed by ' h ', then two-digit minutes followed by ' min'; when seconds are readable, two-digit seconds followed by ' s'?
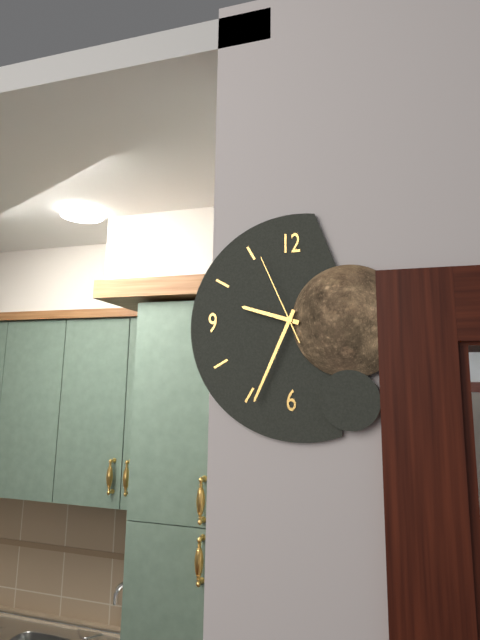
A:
9 h 34 min 56 s
